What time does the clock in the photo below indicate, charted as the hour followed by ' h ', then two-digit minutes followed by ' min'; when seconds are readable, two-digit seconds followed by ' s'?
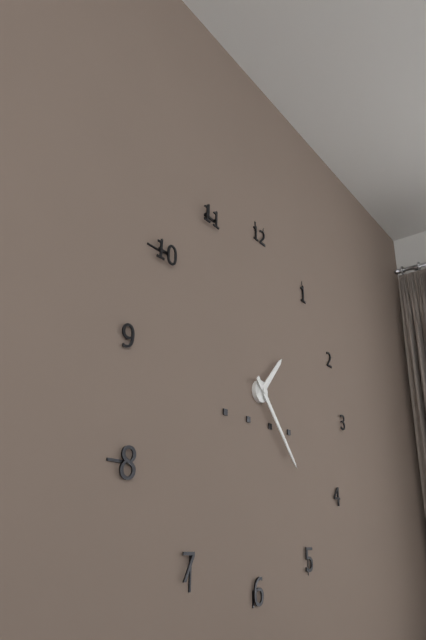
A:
1 h 23 min
